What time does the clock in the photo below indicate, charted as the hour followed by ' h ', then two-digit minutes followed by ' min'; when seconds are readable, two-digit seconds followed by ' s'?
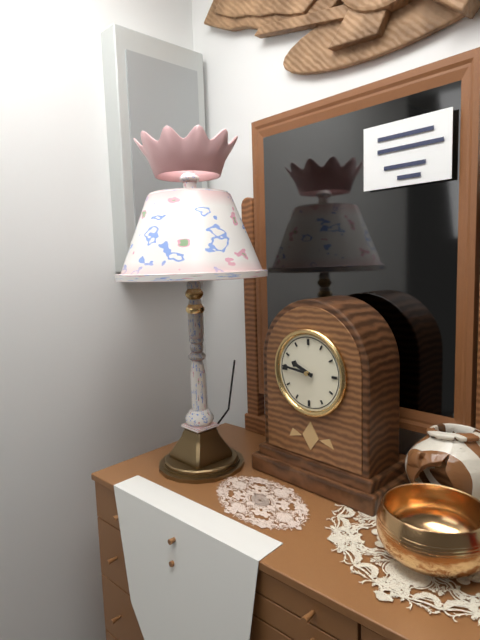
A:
9 h 46 min
